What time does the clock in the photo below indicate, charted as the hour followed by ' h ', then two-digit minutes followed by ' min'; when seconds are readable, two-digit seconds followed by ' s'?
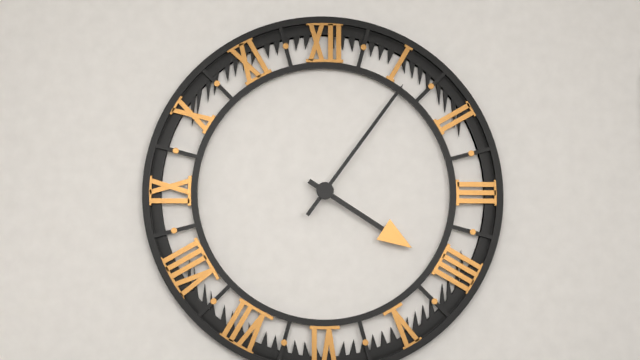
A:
4 h 06 min
